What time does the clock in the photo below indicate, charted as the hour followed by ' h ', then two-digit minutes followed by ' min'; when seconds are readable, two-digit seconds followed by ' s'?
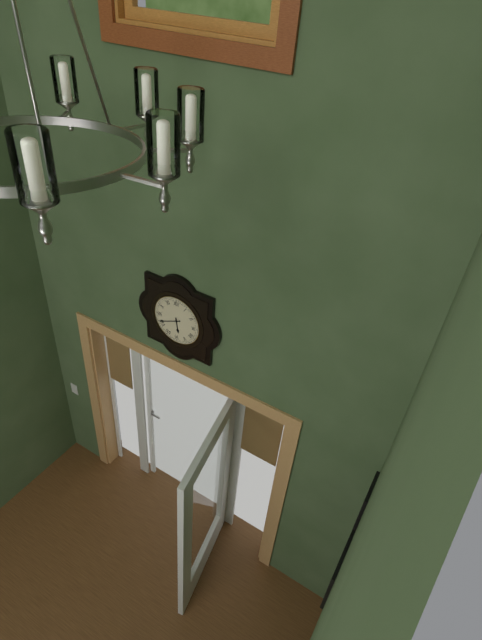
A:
5 h 41 min
